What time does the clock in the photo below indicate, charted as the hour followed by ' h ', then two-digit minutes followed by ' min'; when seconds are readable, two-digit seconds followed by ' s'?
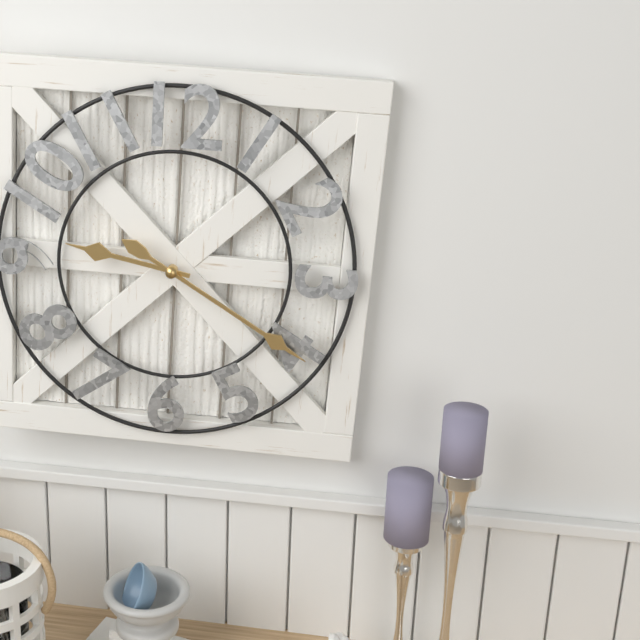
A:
9 h 20 min
